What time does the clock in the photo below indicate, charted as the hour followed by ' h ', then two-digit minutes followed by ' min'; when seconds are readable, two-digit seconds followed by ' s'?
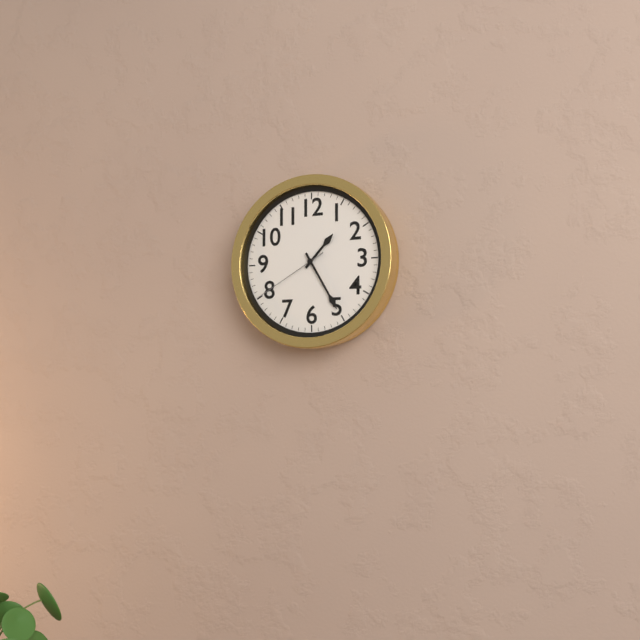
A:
1 h 25 min 40 s
